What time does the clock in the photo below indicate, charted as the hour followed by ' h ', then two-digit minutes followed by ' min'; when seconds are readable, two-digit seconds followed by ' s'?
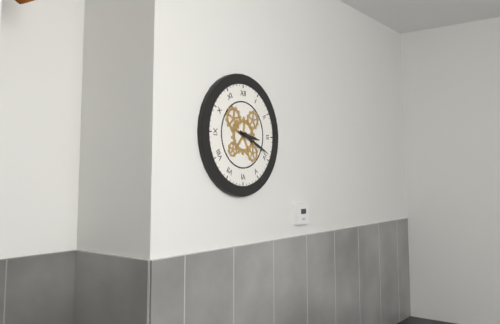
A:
3 h 19 min
